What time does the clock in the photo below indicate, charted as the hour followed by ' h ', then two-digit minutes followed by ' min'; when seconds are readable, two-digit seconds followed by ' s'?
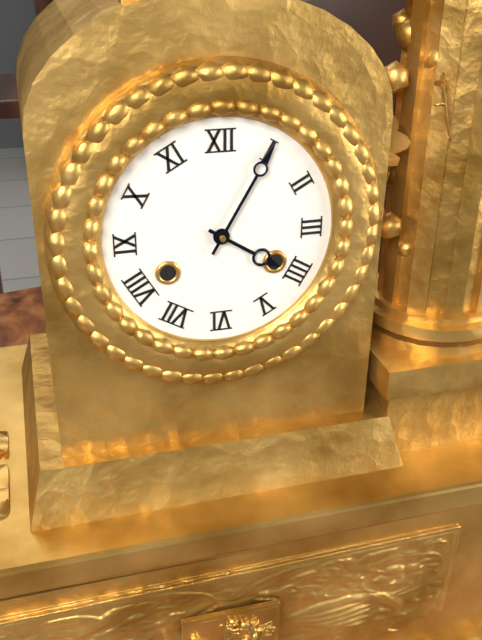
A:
4 h 05 min
